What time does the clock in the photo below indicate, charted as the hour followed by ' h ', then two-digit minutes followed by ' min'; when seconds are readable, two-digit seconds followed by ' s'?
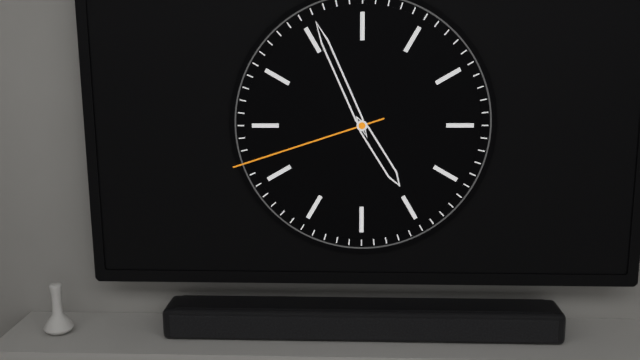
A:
4 h 56 min 42 s
